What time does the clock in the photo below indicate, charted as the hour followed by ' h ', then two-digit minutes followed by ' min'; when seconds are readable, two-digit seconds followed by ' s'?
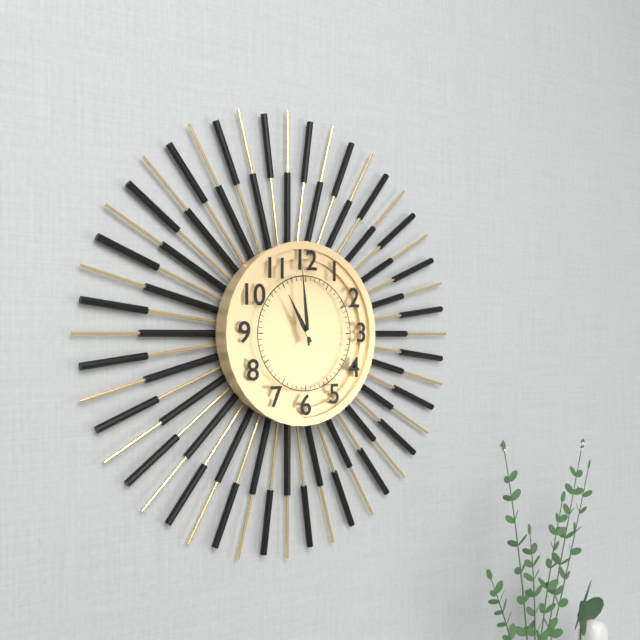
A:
10 h 59 min
